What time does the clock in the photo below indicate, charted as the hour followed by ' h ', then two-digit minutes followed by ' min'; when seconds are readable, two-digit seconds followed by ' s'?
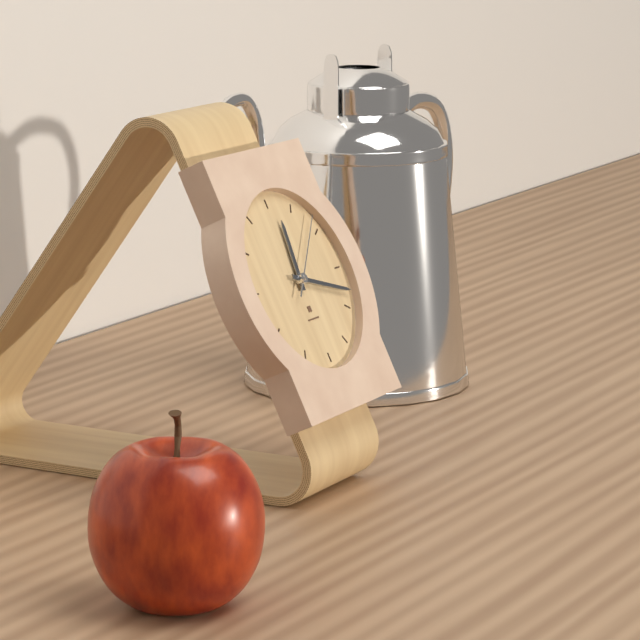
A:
12 h 18 min 08 s
